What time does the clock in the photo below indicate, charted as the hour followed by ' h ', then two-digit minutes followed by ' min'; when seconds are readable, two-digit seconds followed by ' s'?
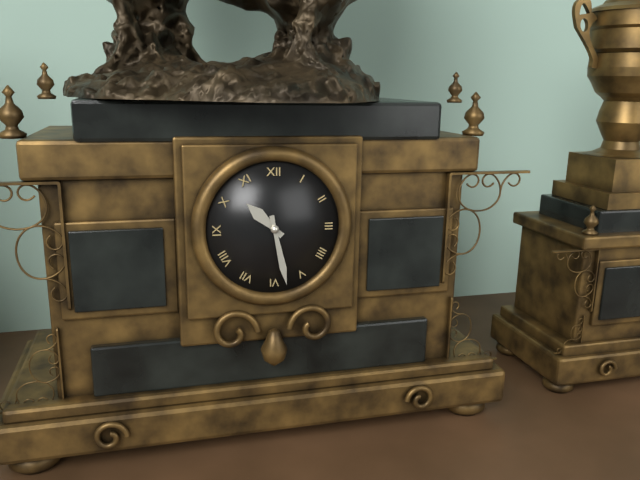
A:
10 h 28 min
